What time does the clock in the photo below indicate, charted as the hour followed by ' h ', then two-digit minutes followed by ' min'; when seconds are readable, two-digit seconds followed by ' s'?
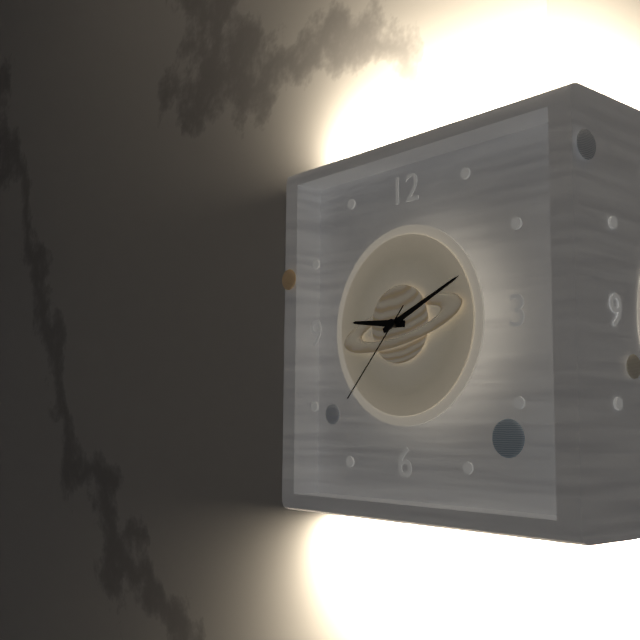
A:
9 h 11 min 37 s
